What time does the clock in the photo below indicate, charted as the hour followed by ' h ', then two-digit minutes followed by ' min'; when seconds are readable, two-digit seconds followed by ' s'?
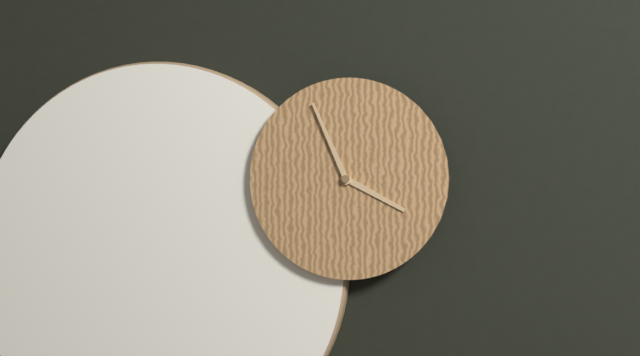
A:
3 h 56 min
